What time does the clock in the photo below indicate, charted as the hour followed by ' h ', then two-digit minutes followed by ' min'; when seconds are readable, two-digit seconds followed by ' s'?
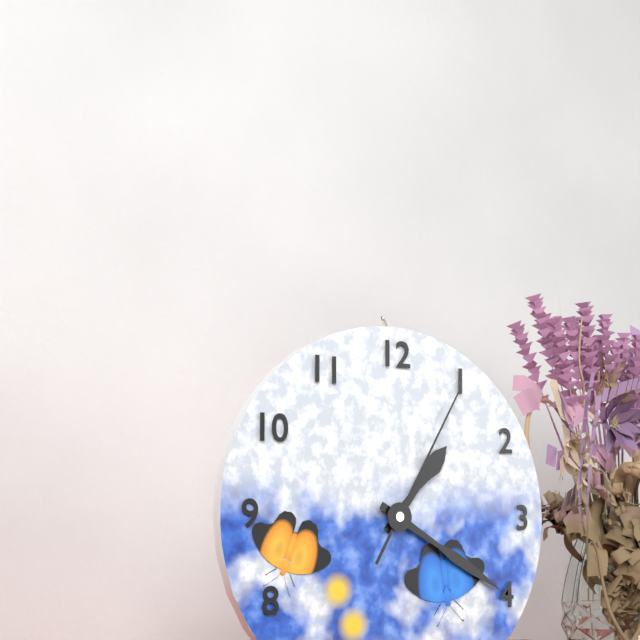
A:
1 h 20 min 05 s
